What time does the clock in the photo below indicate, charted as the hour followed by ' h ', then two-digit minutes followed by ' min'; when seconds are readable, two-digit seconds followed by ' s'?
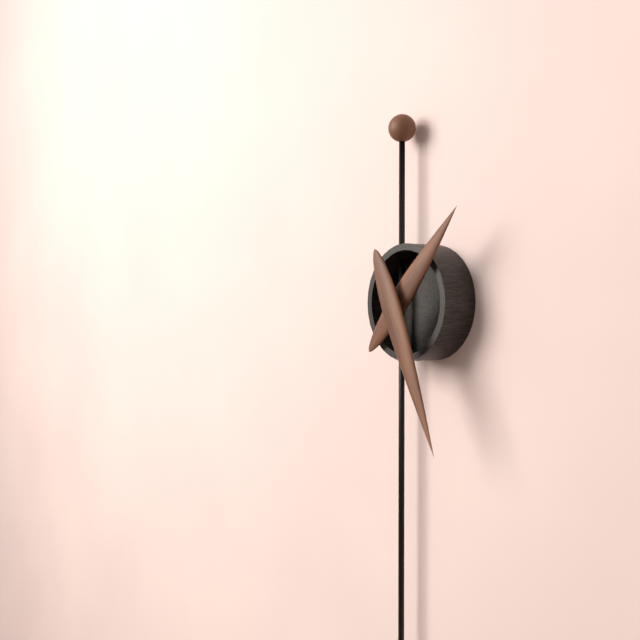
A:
1 h 26 min
